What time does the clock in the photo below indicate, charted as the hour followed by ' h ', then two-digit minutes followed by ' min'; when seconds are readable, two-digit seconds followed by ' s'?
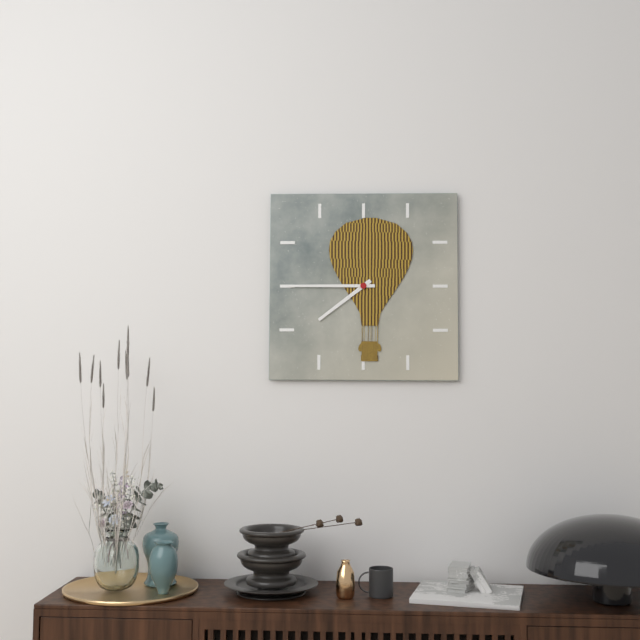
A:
7 h 45 min
